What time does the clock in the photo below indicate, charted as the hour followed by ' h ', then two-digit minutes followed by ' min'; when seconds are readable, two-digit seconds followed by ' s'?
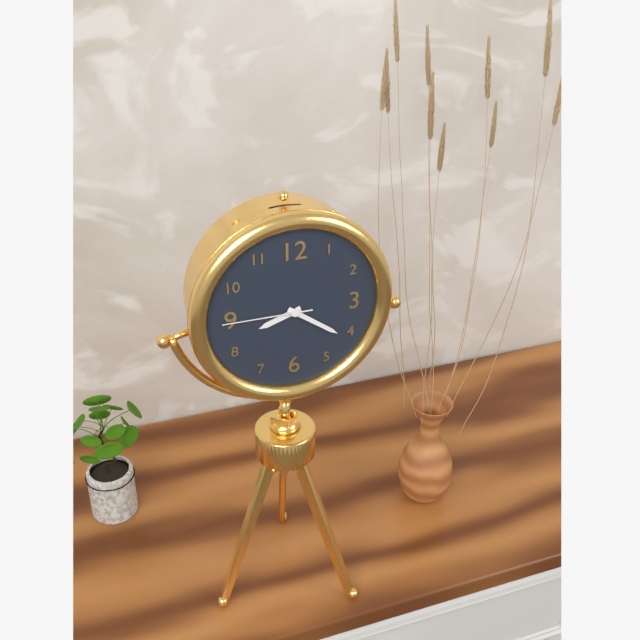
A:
8 h 21 min 45 s
